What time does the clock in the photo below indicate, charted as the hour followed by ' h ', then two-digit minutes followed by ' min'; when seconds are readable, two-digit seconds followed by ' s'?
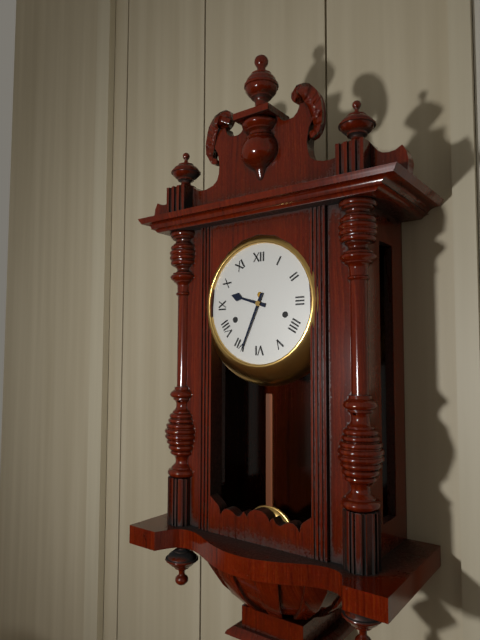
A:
9 h 34 min
